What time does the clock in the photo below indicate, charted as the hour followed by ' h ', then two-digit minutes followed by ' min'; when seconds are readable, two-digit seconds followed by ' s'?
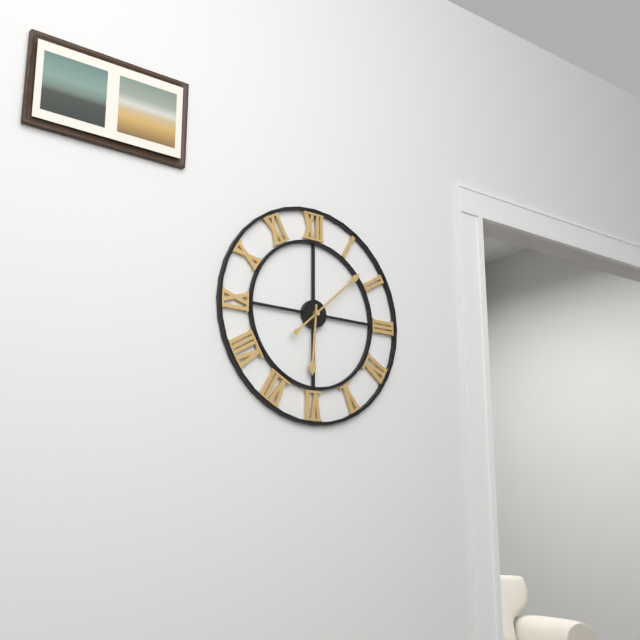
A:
6 h 08 min
